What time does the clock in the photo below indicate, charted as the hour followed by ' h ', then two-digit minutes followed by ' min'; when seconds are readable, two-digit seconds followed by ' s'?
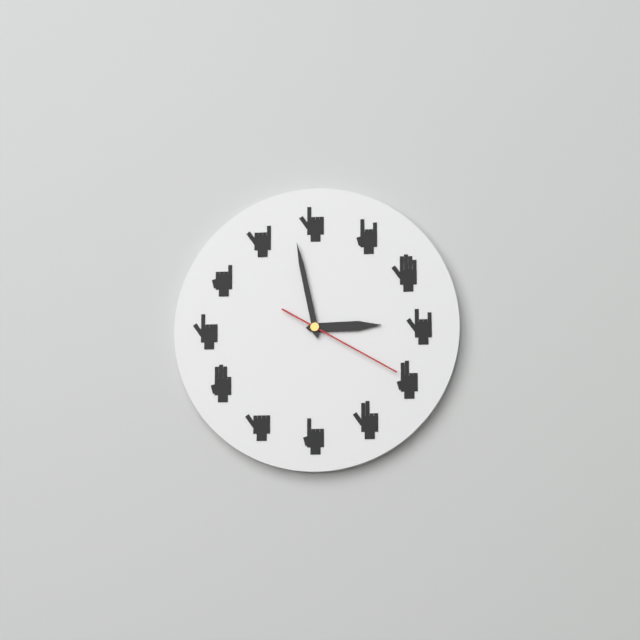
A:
2 h 58 min 20 s
